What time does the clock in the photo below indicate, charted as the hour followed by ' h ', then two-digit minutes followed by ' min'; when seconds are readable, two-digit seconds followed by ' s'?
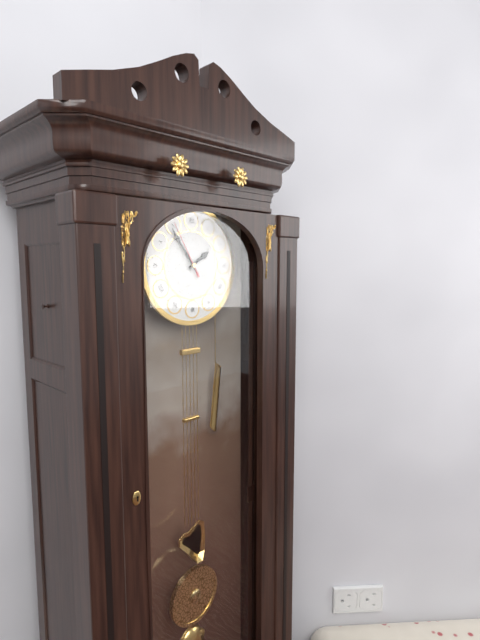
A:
1 h 54 min 55 s
